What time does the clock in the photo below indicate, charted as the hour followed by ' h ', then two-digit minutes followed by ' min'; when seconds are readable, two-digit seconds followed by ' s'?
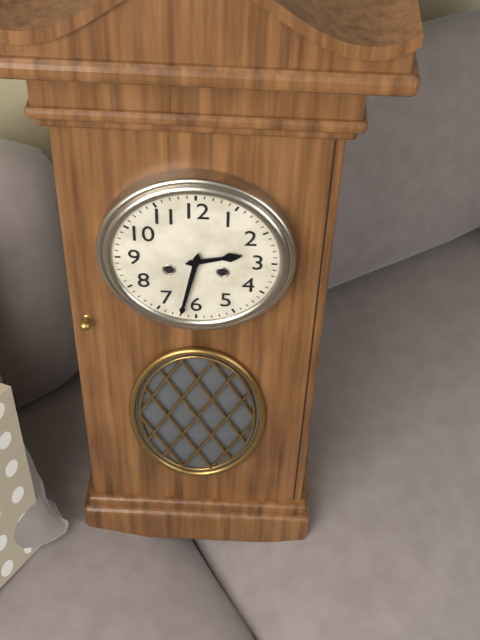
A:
2 h 32 min
